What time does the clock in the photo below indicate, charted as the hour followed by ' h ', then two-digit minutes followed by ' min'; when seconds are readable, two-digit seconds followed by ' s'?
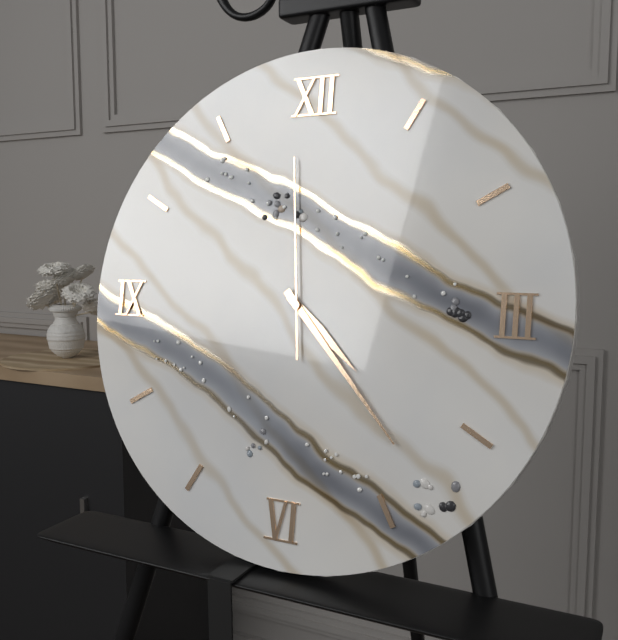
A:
4 h 23 min 59 s
